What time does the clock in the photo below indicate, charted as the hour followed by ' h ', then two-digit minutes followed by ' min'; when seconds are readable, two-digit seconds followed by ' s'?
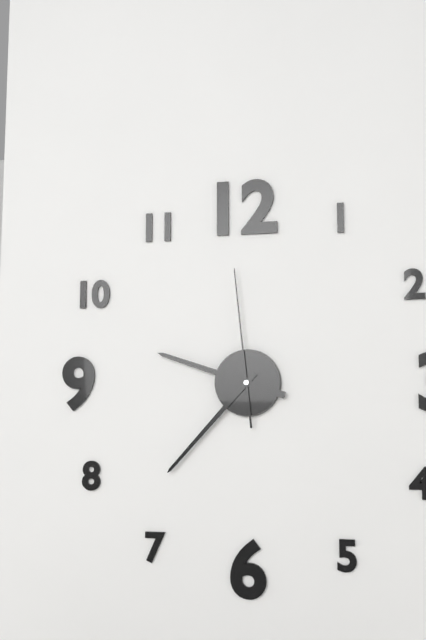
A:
9 h 37 min 59 s
